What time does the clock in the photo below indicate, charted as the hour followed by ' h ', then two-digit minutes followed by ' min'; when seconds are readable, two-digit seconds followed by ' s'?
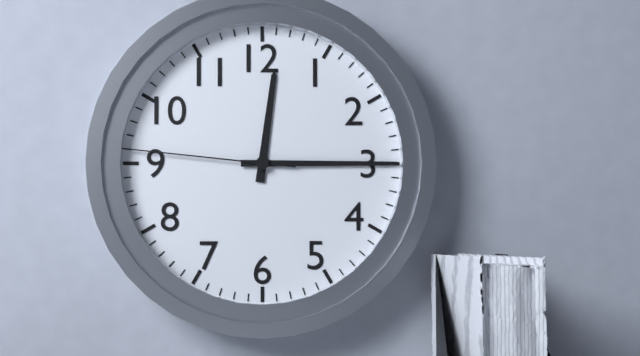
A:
12 h 15 min 46 s
